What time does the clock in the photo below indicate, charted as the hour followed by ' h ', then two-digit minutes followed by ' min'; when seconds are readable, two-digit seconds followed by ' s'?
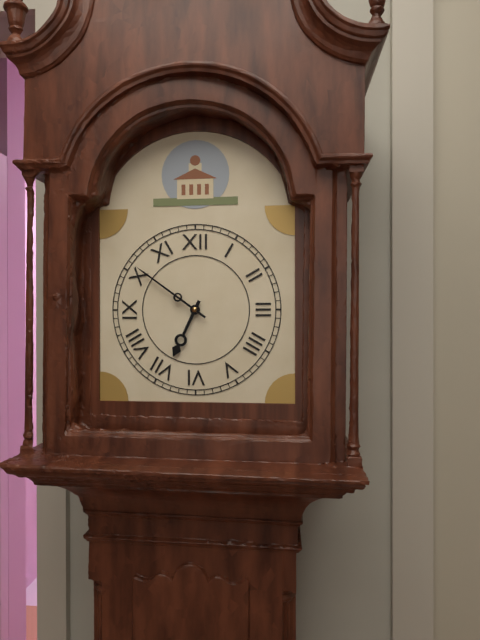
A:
6 h 51 min
